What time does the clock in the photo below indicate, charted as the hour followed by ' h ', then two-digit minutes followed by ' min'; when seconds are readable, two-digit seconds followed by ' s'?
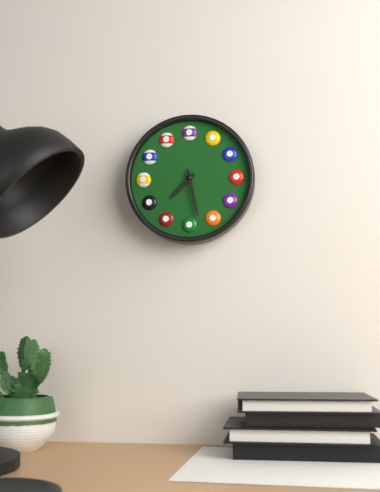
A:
7 h 28 min
